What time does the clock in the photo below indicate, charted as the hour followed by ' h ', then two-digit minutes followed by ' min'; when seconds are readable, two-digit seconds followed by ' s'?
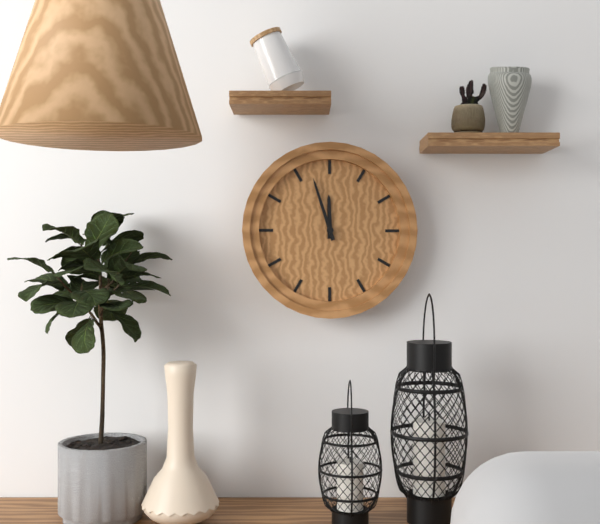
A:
11 h 57 min
